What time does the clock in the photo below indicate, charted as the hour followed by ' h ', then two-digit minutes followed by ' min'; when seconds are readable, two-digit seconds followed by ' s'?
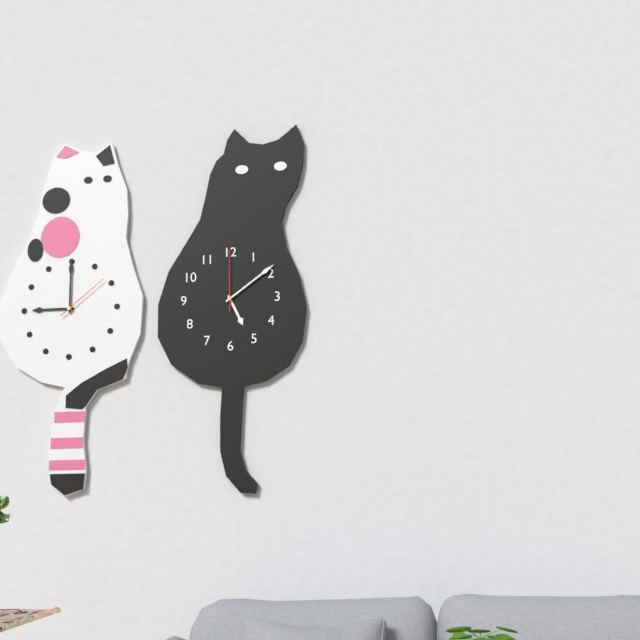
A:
5 h 09 min 00 s
